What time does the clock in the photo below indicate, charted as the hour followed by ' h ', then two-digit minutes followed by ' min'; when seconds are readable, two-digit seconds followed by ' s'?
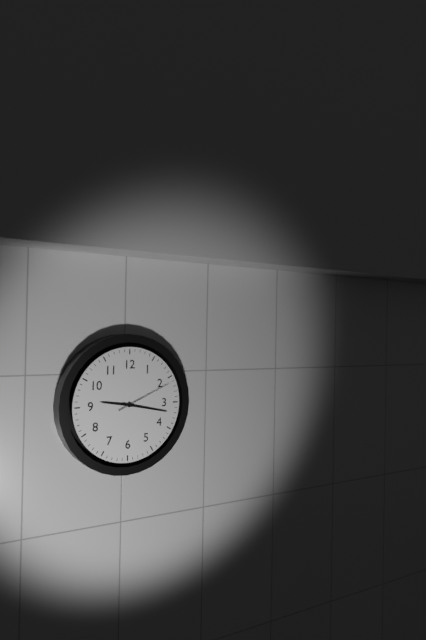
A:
9 h 17 min 11 s
